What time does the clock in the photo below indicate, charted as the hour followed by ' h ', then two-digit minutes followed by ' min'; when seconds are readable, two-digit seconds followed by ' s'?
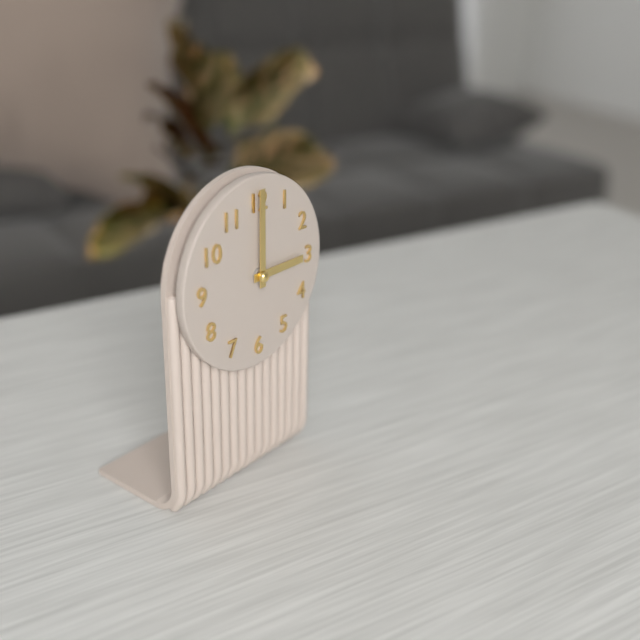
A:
3 h 00 min
